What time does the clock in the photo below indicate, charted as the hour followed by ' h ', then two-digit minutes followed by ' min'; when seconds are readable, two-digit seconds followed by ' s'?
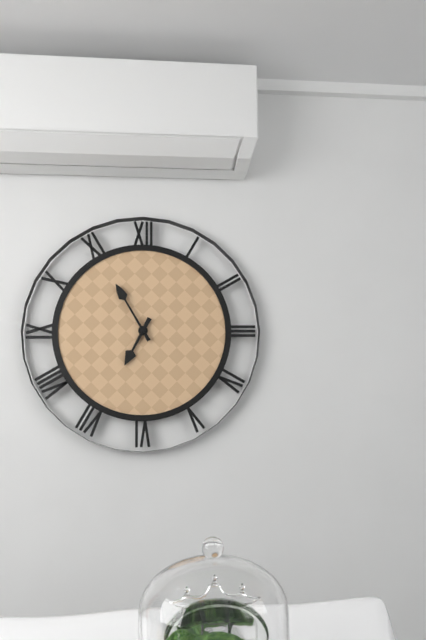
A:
6 h 55 min
